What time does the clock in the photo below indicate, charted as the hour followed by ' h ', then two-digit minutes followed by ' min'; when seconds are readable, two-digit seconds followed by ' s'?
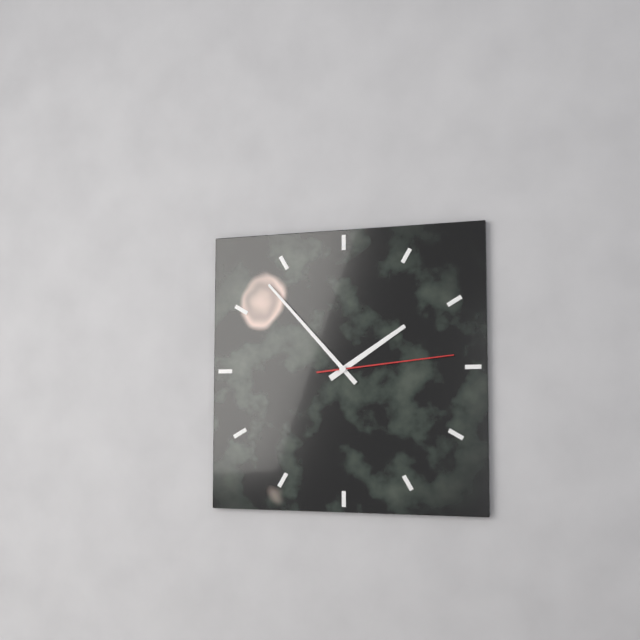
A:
1 h 53 min 14 s
